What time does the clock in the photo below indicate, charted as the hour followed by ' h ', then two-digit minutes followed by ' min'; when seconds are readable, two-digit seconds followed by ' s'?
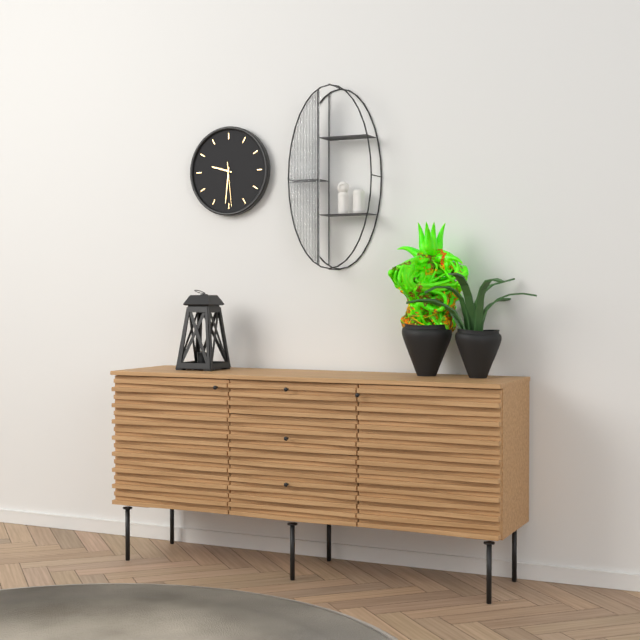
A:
9 h 31 min
